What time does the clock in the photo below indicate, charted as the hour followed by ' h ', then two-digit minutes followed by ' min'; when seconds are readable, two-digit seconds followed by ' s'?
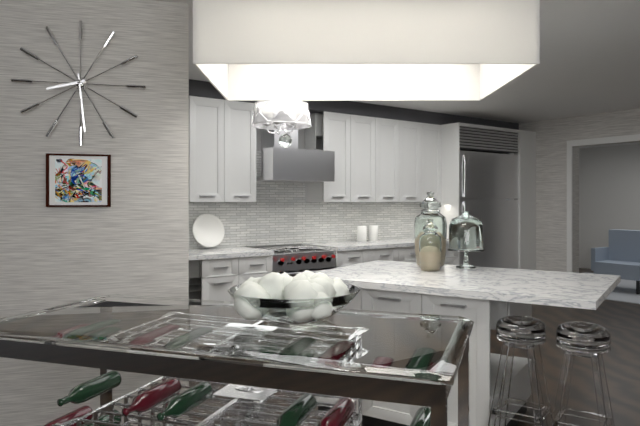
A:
8 h 29 min
